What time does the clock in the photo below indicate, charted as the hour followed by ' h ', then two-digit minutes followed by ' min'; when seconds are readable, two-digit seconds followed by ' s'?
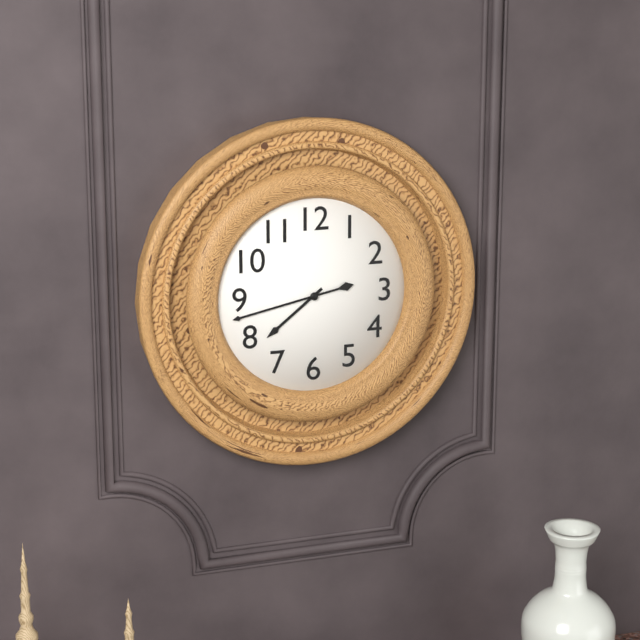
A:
7 h 43 min
